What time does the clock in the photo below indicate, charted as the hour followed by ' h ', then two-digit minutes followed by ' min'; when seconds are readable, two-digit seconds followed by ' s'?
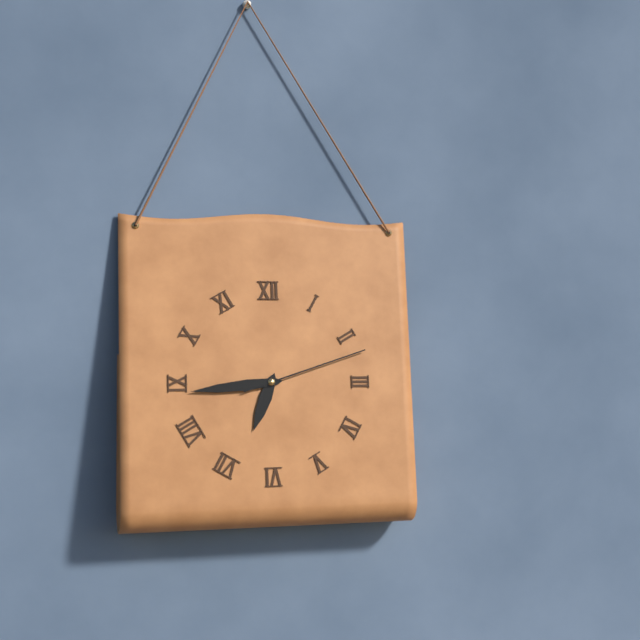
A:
6 h 44 min 12 s
